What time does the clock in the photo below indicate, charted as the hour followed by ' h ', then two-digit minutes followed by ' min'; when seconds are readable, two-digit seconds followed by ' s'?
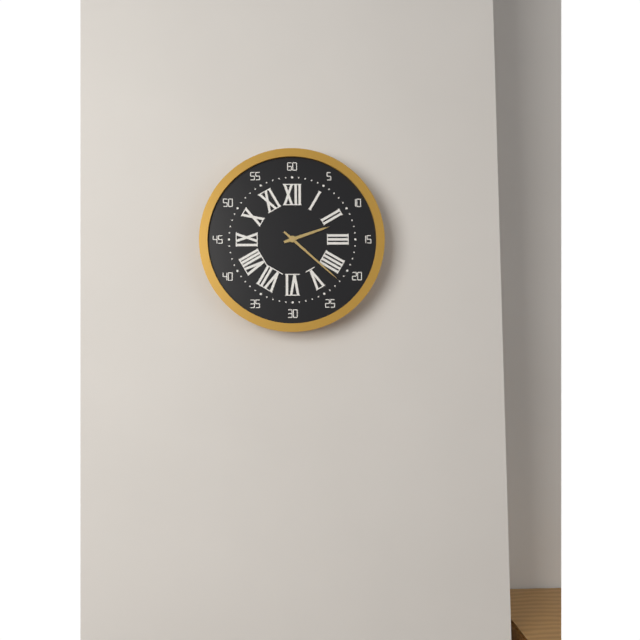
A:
2 h 22 min
